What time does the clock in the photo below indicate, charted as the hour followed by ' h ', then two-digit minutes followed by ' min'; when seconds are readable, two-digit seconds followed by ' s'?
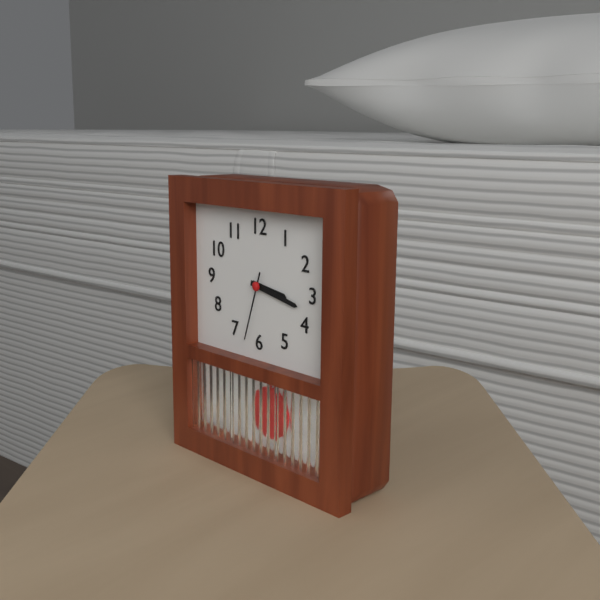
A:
3 h 17 min 33 s
